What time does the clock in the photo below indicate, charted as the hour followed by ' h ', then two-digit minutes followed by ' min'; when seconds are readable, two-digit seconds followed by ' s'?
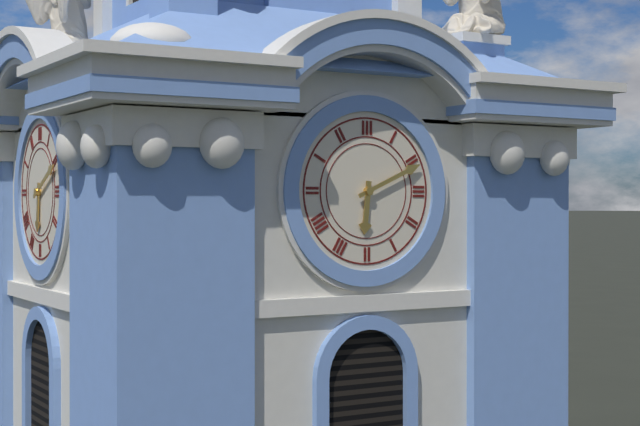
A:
6 h 11 min
